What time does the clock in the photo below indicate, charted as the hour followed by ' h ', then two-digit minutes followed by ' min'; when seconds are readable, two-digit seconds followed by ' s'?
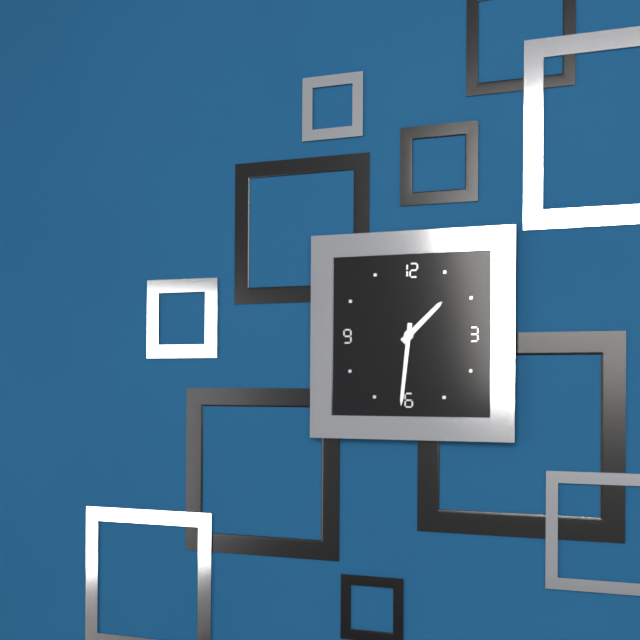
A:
1 h 31 min
